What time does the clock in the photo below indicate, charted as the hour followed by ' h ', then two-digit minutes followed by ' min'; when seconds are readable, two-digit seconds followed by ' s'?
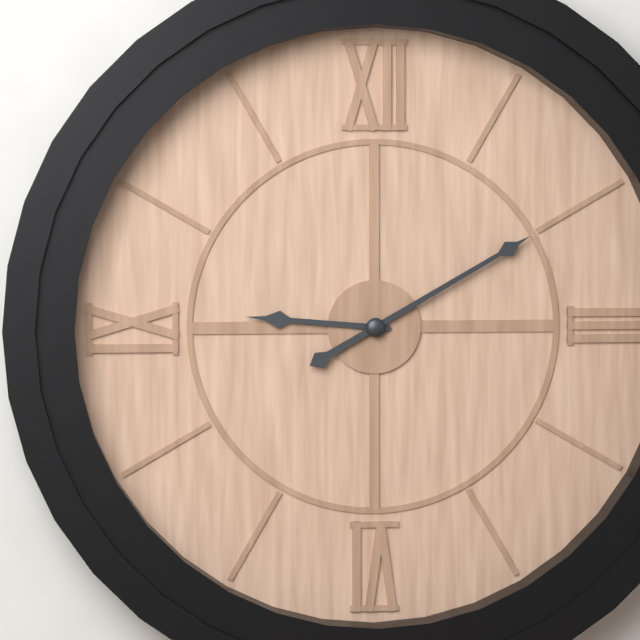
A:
9 h 10 min
